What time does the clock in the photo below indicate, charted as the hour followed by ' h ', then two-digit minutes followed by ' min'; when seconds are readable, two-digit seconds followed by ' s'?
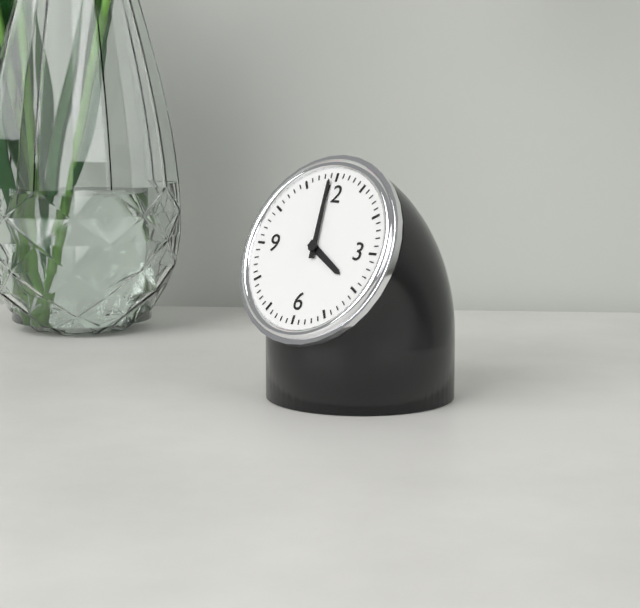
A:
3 h 59 min
